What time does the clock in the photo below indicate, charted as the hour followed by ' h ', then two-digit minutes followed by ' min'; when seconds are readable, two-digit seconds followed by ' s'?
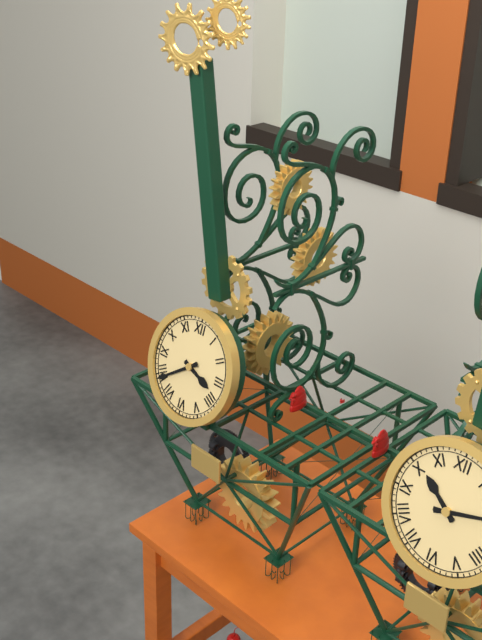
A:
3 h 39 min
